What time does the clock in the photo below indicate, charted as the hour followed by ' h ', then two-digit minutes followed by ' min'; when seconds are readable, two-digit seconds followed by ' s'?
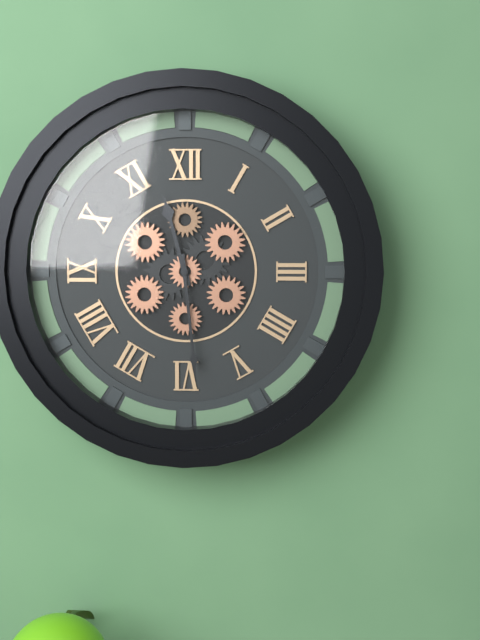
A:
11 h 29 min
